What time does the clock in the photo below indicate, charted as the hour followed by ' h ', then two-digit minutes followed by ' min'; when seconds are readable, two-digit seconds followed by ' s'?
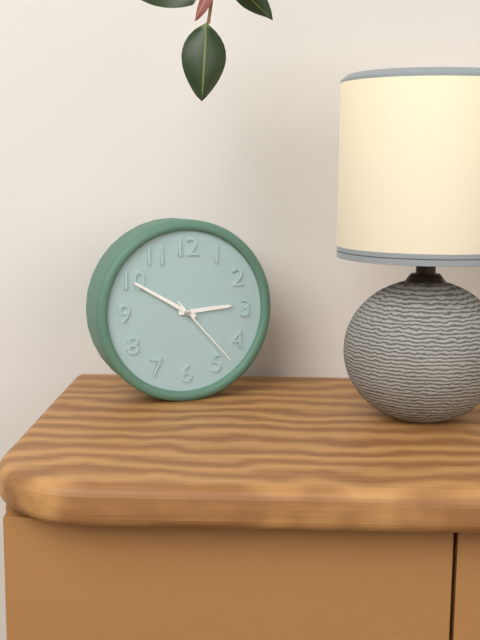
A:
2 h 50 min 23 s
